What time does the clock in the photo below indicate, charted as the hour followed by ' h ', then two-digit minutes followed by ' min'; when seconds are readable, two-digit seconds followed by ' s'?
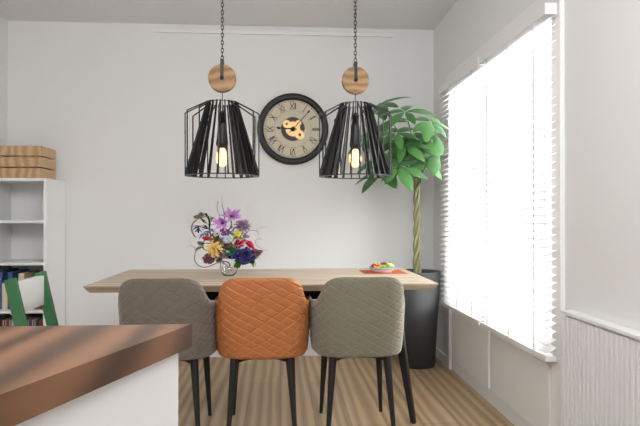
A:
9 h 07 min
